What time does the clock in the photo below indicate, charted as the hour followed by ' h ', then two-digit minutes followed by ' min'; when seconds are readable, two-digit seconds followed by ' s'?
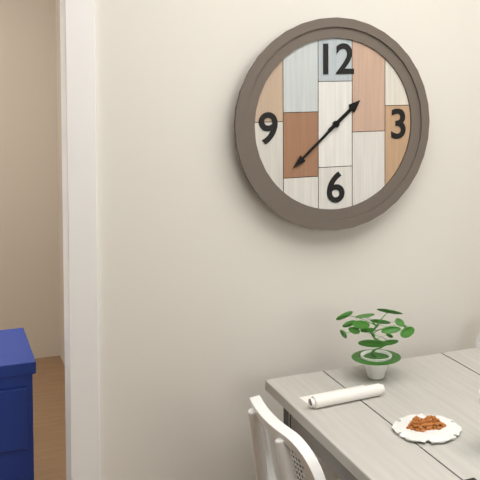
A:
1 h 38 min
